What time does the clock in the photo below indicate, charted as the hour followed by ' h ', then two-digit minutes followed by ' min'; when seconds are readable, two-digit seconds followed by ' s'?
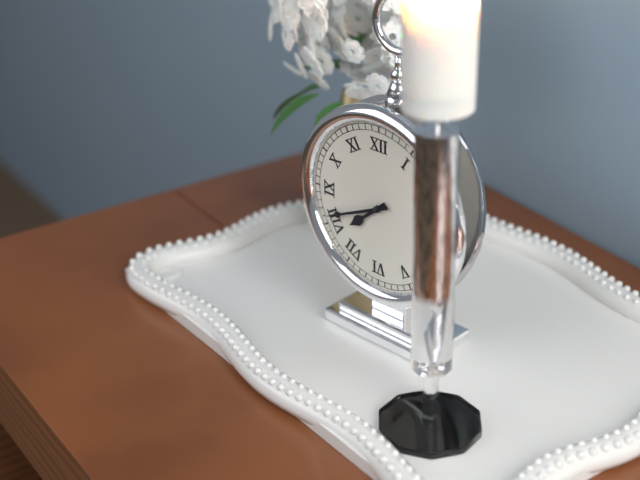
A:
7 h 41 min
